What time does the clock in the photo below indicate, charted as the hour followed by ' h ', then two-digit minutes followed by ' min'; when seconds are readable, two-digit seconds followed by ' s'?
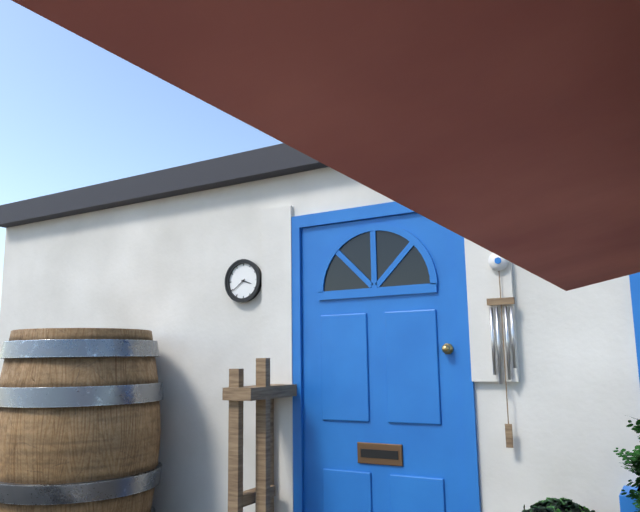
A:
3 h 39 min
